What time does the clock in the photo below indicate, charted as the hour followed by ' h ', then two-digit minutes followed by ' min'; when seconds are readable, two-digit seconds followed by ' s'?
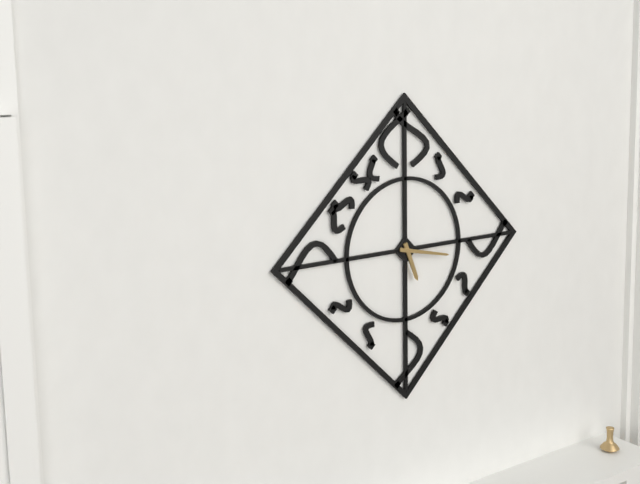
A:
5 h 17 min
